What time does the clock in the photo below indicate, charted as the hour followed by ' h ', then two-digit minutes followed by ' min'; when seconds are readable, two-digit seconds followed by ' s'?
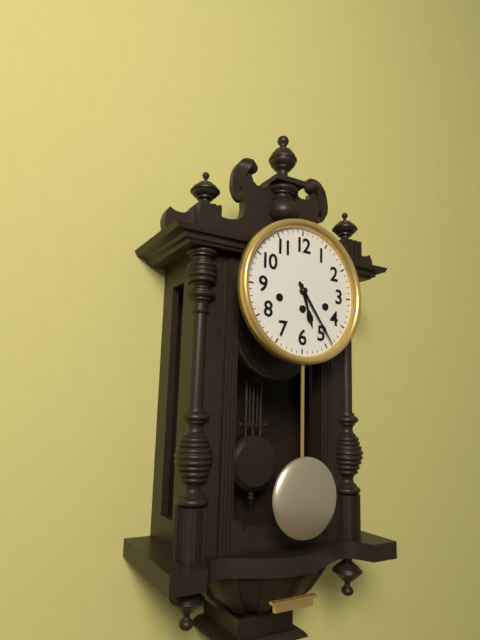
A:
5 h 24 min
